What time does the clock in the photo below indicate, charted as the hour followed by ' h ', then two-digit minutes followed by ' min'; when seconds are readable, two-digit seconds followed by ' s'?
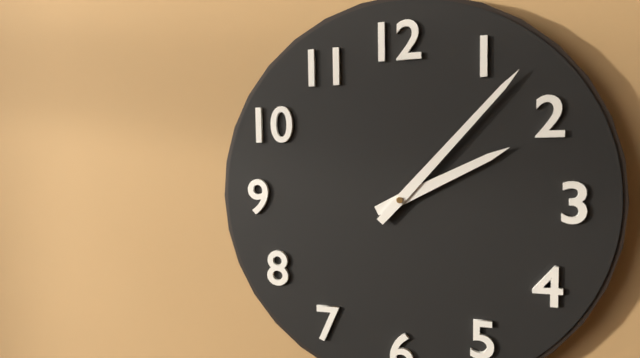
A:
2 h 07 min
